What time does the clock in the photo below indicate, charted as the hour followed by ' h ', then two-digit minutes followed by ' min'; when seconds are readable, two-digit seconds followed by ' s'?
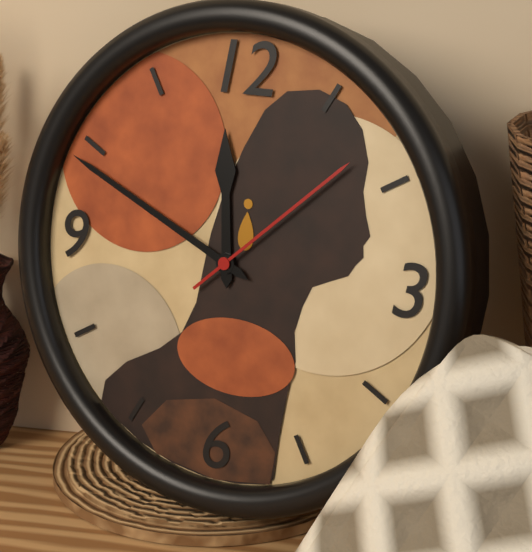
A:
11 h 49 min 08 s
